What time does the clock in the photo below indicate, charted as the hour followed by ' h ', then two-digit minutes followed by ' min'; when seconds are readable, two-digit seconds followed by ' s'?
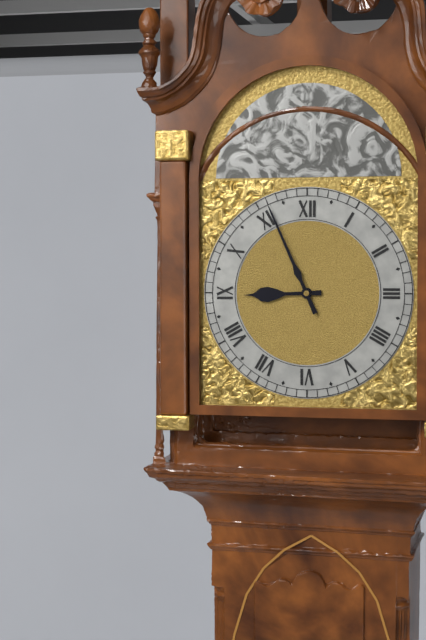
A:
8 h 56 min
